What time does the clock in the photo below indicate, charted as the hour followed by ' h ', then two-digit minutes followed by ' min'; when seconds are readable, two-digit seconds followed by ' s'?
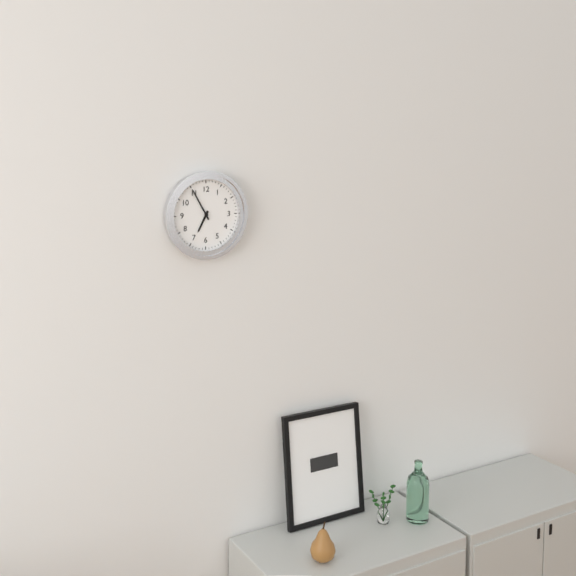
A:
6 h 55 min
